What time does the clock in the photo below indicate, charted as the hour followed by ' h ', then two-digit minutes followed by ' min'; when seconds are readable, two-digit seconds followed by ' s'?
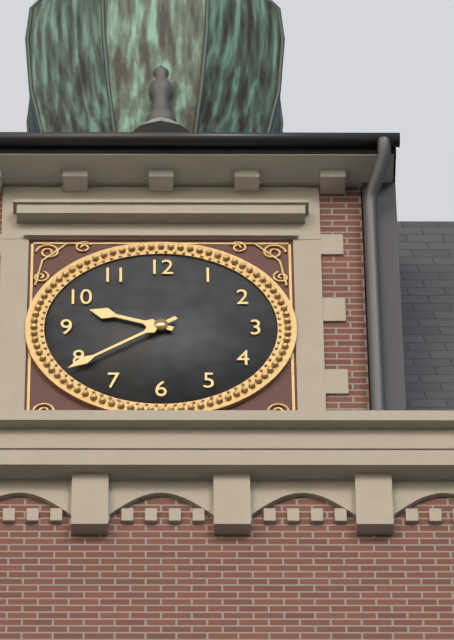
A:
9 h 39 min
